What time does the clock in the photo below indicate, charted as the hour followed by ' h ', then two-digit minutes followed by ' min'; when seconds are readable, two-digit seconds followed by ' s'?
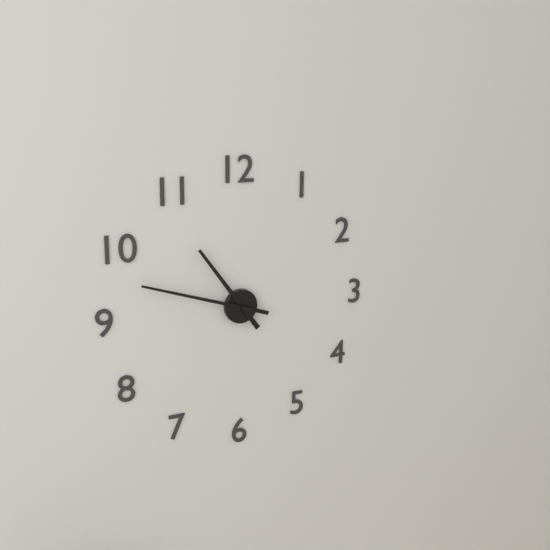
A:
10 h 48 min
